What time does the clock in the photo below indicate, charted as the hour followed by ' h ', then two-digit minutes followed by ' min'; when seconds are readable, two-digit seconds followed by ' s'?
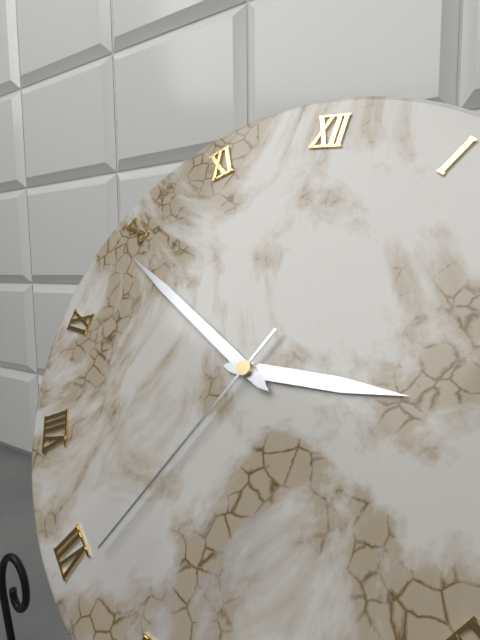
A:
2 h 49 min 34 s
